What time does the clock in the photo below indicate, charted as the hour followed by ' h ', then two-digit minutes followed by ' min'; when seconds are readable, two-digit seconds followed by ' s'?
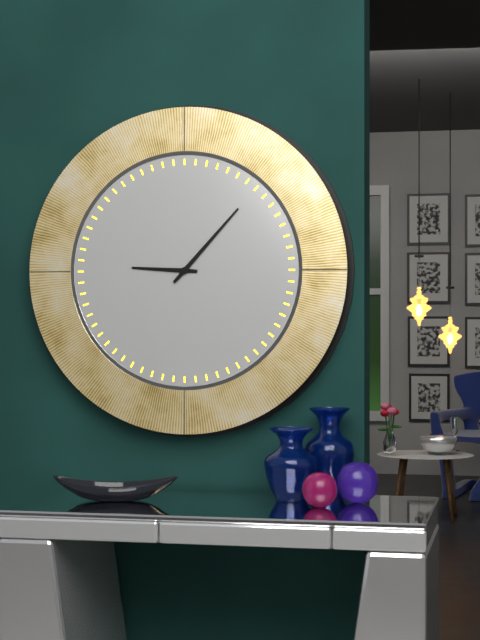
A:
9 h 07 min
